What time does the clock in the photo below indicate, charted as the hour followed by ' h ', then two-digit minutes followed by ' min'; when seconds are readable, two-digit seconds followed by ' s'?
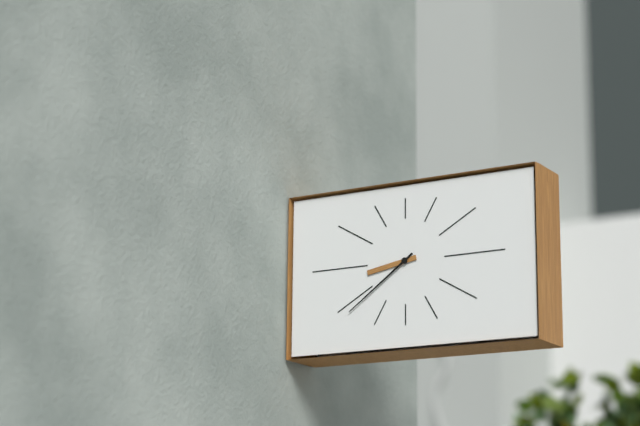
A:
8 h 39 min
